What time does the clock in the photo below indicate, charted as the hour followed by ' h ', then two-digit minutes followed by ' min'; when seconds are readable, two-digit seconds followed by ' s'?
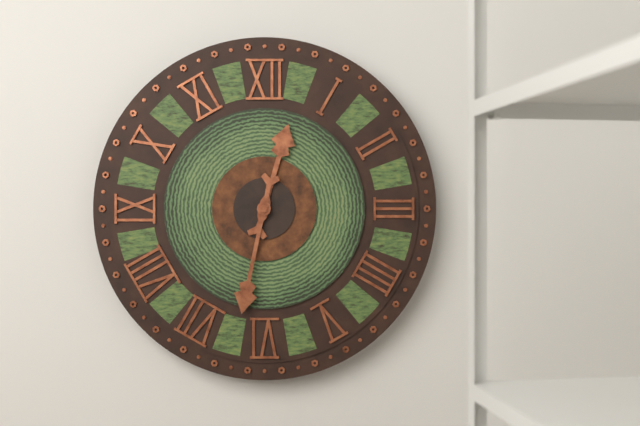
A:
12 h 32 min
